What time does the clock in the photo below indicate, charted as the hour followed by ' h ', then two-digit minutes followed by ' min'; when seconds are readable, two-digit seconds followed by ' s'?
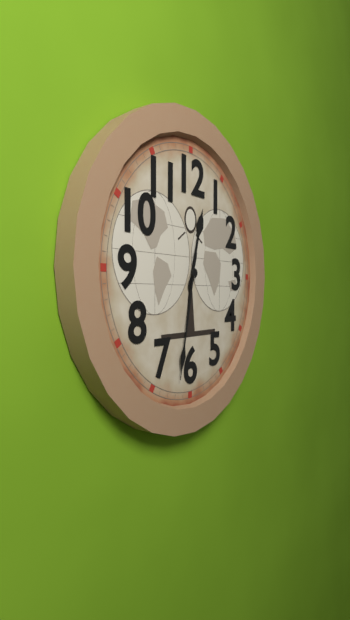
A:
12 h 32 min
